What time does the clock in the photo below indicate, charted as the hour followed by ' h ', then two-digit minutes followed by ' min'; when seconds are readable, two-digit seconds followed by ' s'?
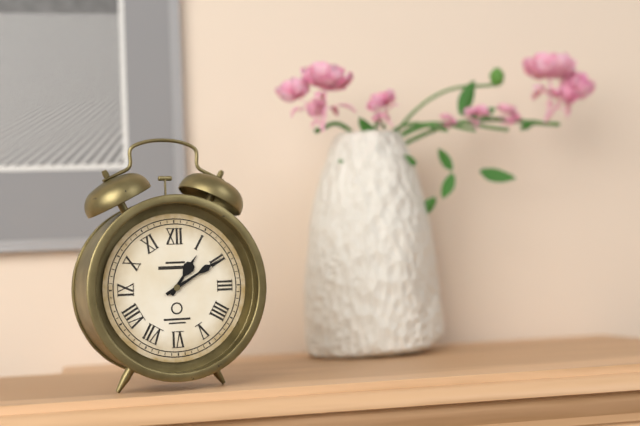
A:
1 h 10 min
